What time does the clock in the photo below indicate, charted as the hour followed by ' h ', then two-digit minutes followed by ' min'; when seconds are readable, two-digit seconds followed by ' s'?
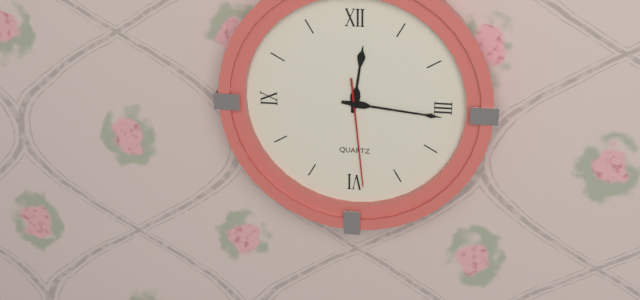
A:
12 h 16 min 29 s
